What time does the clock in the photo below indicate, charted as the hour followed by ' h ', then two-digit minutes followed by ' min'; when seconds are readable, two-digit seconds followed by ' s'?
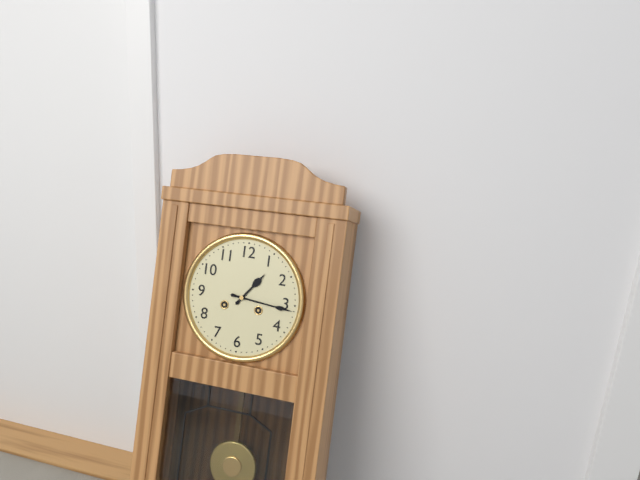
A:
1 h 16 min
